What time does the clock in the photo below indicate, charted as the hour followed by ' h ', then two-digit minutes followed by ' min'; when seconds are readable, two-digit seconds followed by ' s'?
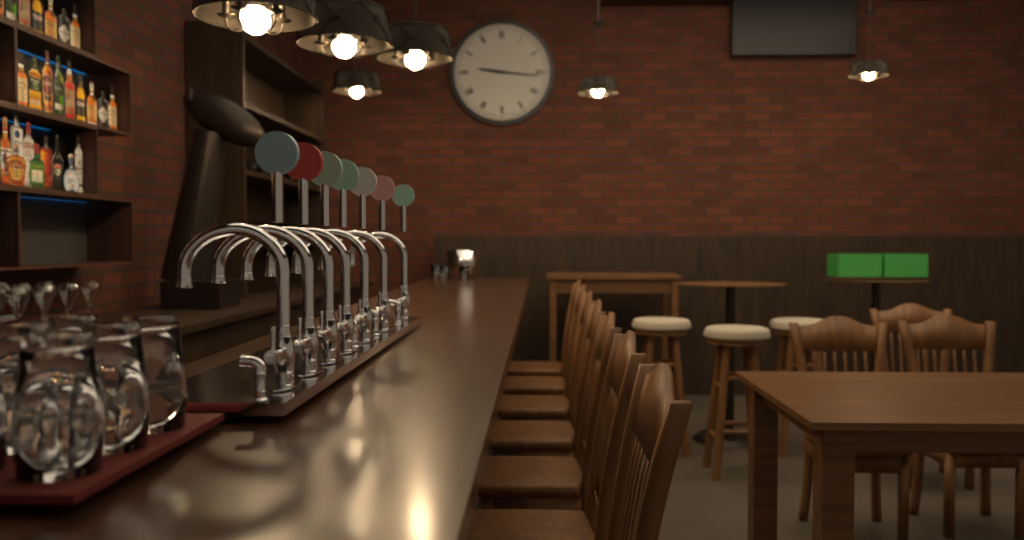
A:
9 h 16 min
